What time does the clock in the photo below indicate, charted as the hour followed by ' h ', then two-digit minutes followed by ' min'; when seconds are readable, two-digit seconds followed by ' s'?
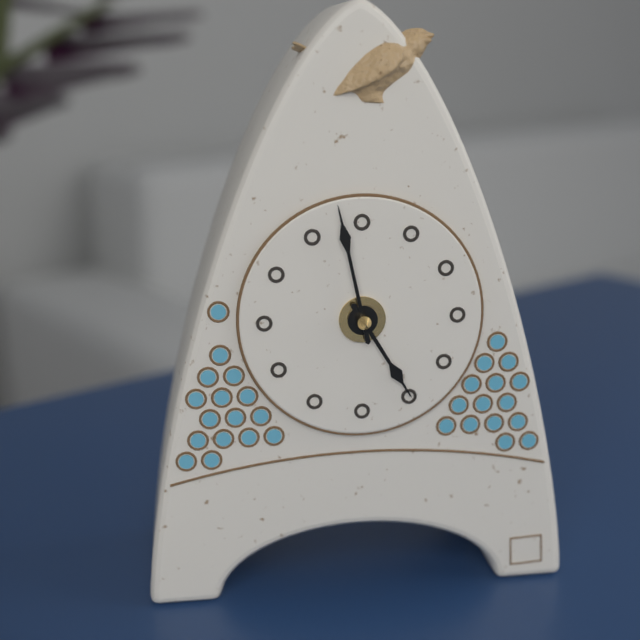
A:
4 h 58 min
